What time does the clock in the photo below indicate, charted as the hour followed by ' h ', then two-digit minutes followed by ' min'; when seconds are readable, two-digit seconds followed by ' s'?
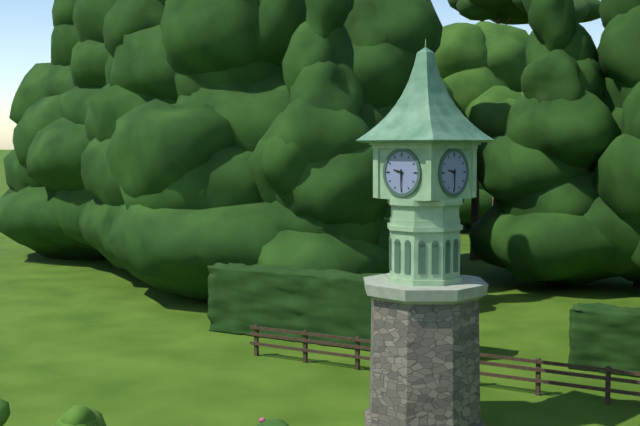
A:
9 h 30 min
